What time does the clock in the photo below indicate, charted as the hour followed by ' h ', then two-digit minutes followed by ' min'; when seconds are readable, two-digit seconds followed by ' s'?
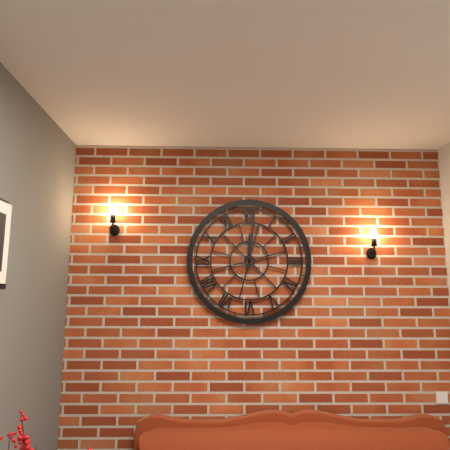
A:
12 h 01 min
